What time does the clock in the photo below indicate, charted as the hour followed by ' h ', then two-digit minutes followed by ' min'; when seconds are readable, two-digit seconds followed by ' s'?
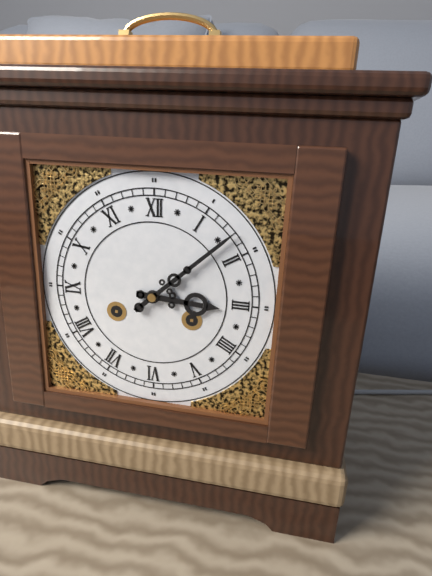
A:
3 h 08 min
